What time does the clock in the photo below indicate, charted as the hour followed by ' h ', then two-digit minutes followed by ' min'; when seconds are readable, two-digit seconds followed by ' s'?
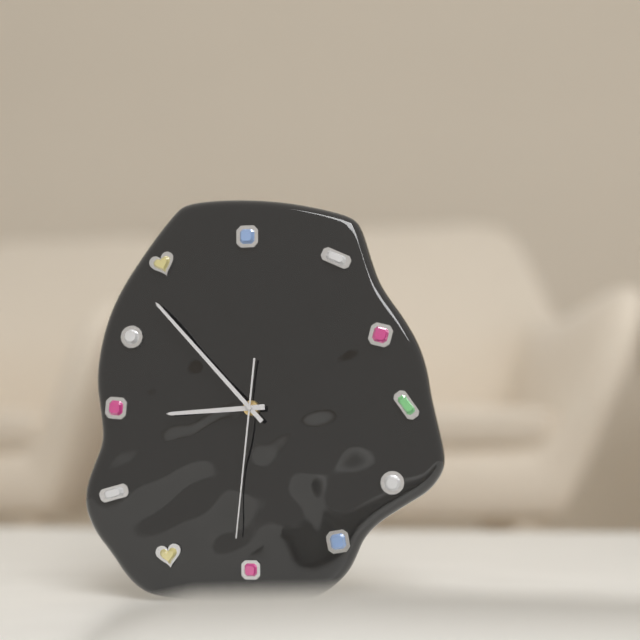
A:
8 h 53 min 31 s
